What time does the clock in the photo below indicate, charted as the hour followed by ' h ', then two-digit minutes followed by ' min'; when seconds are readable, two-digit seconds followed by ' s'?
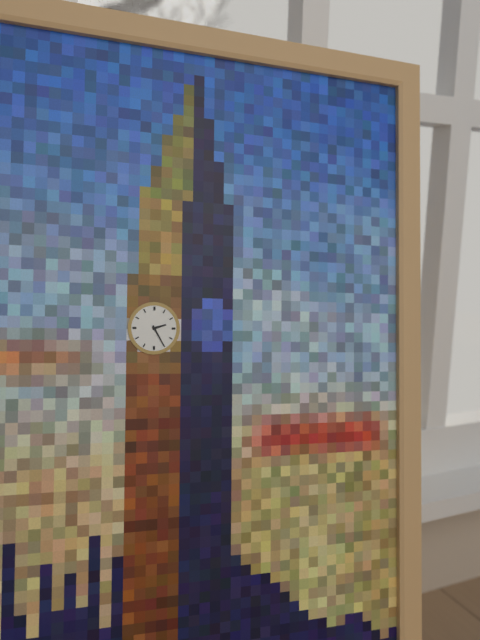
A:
2 h 25 min
